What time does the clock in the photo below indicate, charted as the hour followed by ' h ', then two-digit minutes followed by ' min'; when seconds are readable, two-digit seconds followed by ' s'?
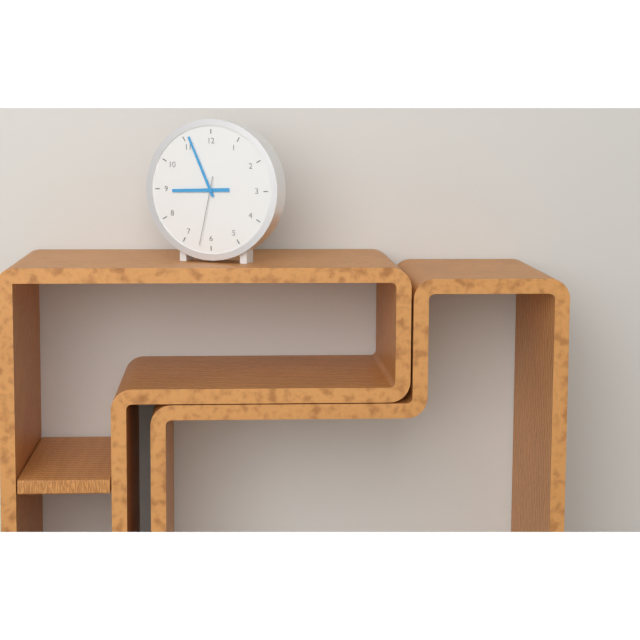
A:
8 h 56 min 32 s
